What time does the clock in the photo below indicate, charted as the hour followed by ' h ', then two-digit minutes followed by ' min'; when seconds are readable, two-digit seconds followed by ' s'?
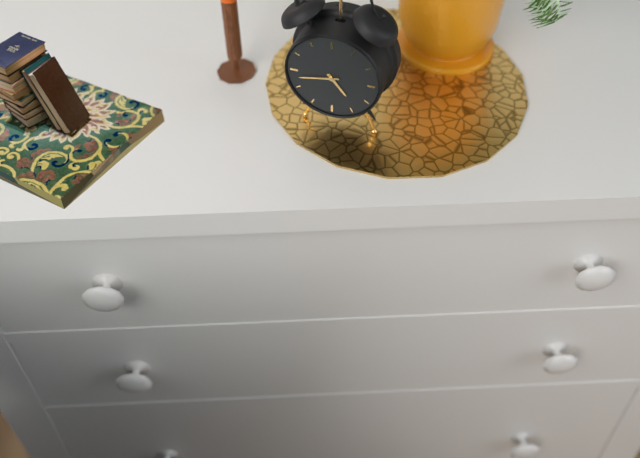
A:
4 h 43 min
